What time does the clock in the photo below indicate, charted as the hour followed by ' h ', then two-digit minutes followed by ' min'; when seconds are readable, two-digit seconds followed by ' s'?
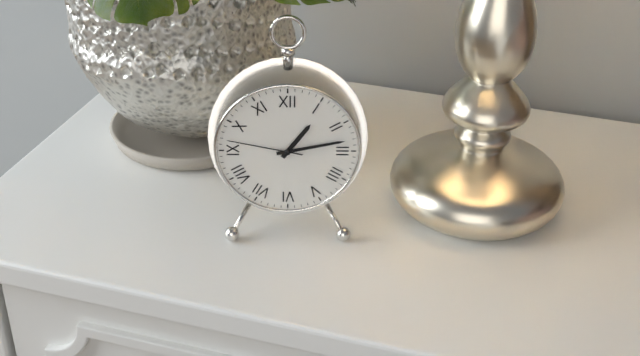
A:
1 h 13 min 47 s
